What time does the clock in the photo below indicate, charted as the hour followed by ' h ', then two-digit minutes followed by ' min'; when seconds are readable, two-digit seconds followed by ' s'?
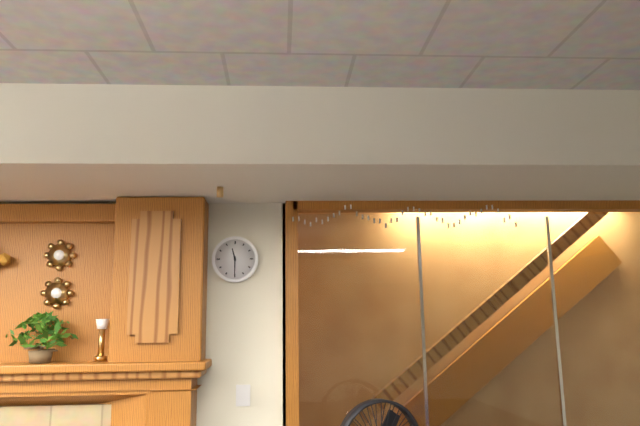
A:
11 h 30 min
